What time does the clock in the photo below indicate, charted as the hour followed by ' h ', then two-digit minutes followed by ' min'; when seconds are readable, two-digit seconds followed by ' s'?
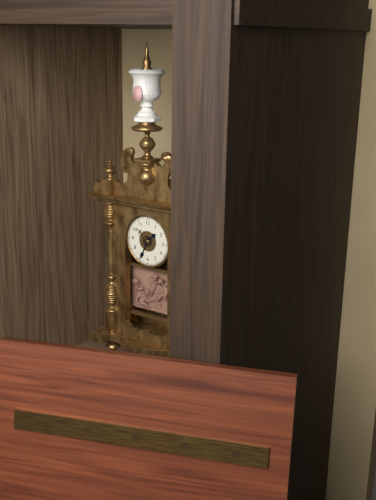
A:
1 h 34 min
